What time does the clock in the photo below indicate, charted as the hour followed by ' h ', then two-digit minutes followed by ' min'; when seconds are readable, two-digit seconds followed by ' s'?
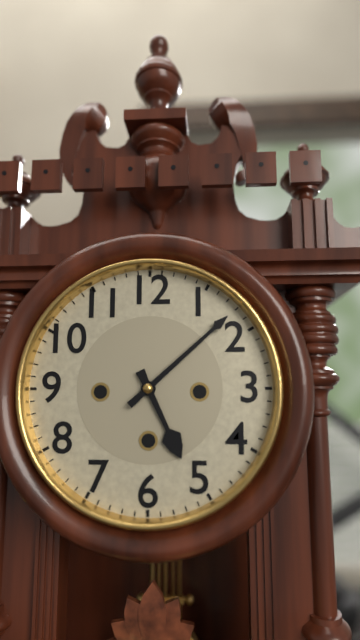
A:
5 h 08 min
